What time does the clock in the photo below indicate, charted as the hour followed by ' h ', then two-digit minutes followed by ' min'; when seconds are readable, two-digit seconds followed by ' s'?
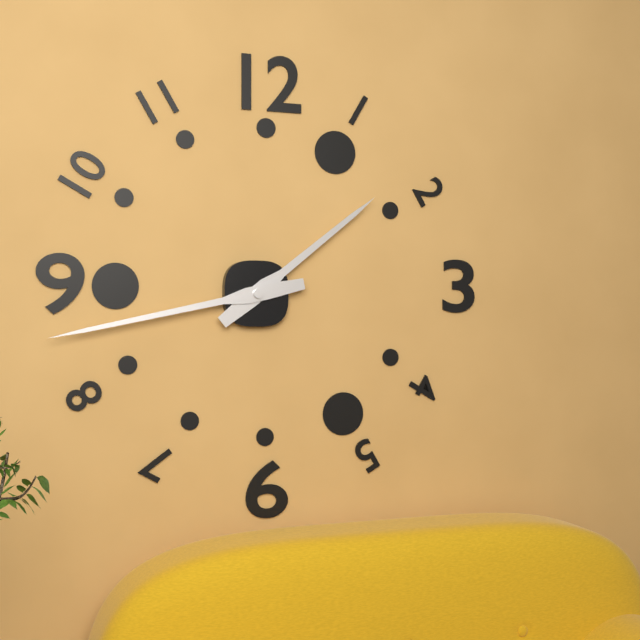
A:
1 h 43 min
